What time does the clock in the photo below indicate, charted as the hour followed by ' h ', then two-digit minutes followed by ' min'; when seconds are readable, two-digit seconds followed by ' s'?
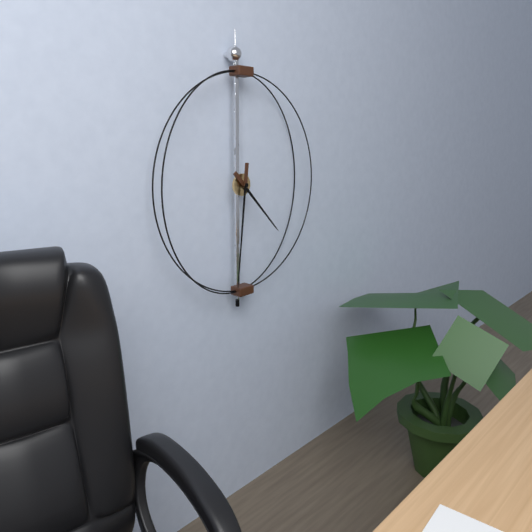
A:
4 h 31 min
